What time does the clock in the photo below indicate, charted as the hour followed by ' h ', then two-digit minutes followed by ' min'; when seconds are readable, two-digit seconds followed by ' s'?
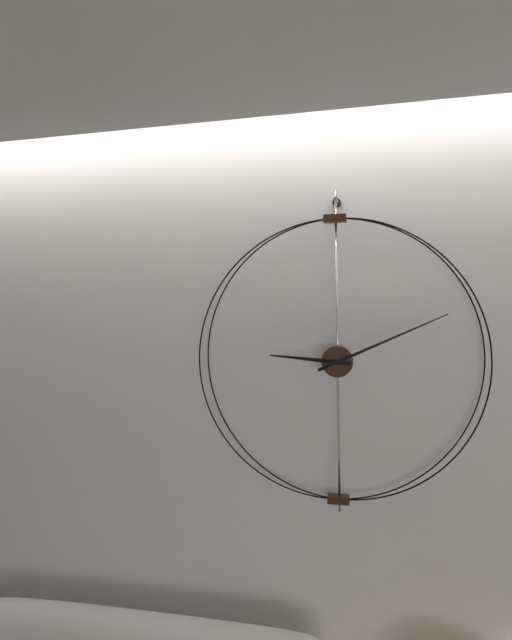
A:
9 h 11 min
